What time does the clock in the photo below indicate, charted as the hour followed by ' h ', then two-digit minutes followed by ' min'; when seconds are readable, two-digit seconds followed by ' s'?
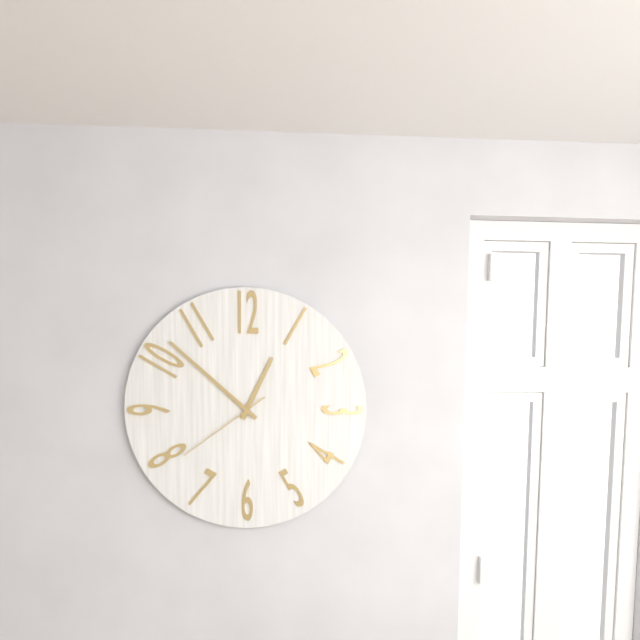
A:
12 h 52 min 39 s
